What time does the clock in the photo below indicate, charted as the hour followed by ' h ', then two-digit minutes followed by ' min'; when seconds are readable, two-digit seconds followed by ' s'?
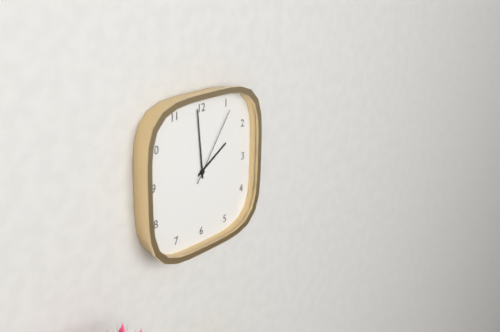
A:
1 h 59 min 06 s
